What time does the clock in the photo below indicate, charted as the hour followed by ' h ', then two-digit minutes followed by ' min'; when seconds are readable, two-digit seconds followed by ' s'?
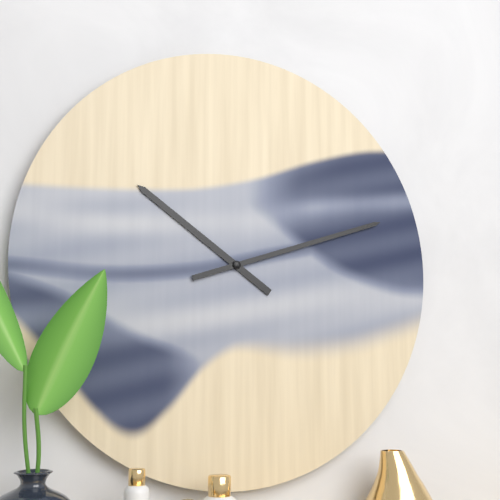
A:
10 h 12 min
